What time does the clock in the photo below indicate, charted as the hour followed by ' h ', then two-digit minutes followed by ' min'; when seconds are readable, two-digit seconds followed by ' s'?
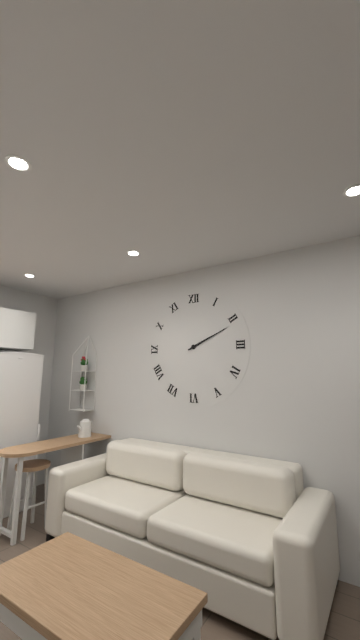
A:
2 h 11 min
